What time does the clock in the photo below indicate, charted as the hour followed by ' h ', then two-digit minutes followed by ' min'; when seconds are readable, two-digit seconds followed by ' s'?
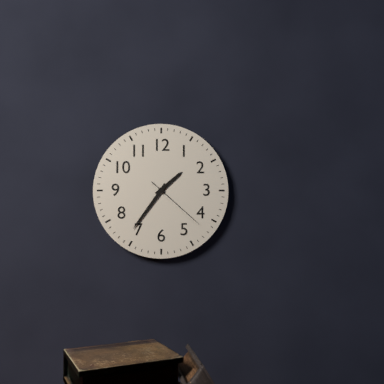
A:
1 h 36 min 22 s
